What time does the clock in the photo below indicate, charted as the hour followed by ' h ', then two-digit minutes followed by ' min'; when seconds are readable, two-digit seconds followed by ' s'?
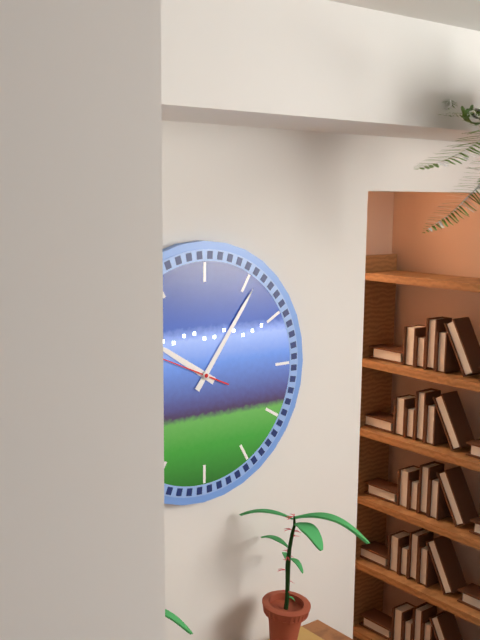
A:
10 h 06 min
